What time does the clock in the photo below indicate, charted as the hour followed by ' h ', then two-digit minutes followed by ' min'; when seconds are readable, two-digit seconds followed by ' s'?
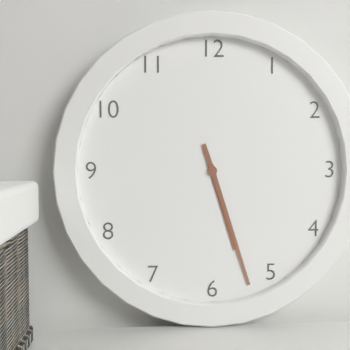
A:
5 h 27 min
